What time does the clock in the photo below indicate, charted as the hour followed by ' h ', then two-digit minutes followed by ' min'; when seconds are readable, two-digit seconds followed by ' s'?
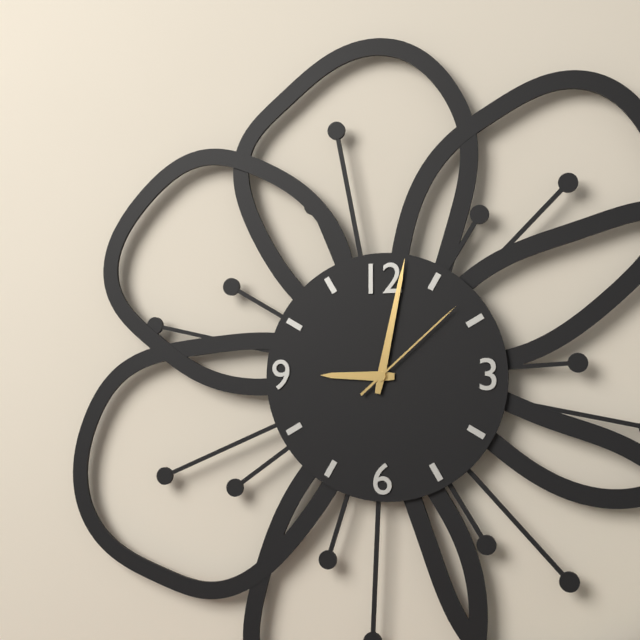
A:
9 h 02 min 08 s
